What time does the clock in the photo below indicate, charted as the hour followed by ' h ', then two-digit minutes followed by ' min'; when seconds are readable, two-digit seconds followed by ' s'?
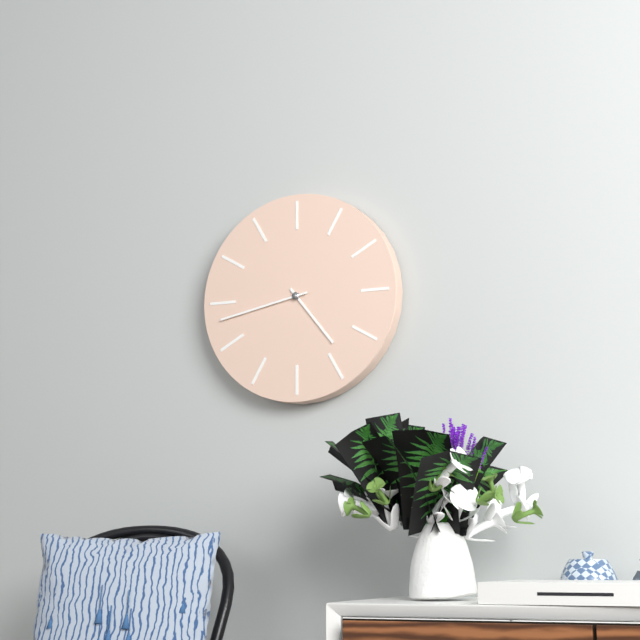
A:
4 h 43 min
